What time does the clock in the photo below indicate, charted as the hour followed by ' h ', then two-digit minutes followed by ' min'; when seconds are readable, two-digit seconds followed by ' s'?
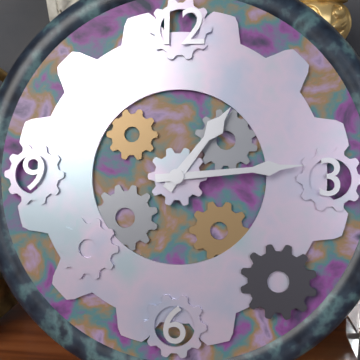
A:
1 h 14 min
